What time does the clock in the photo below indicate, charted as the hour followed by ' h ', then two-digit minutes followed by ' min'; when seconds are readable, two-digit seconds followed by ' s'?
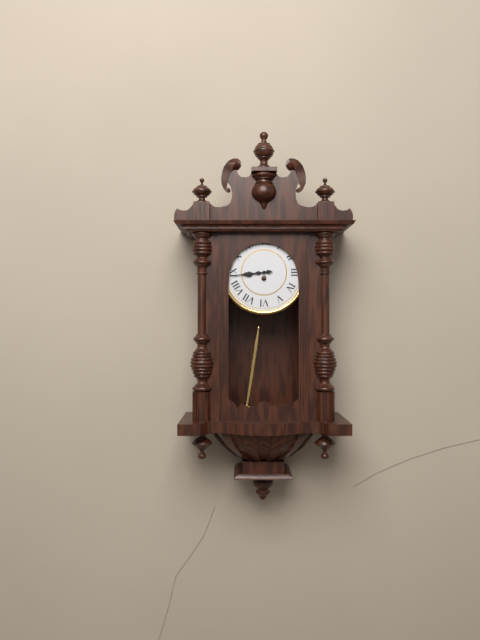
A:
8 h 44 min
